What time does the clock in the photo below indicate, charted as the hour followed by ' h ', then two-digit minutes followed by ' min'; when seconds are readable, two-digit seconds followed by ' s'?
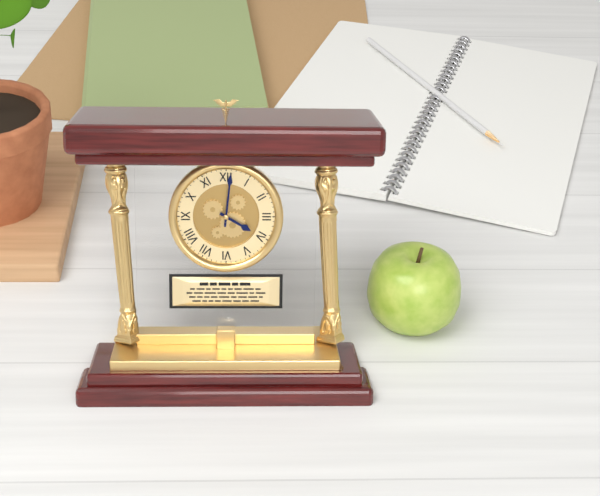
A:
4 h 01 min
